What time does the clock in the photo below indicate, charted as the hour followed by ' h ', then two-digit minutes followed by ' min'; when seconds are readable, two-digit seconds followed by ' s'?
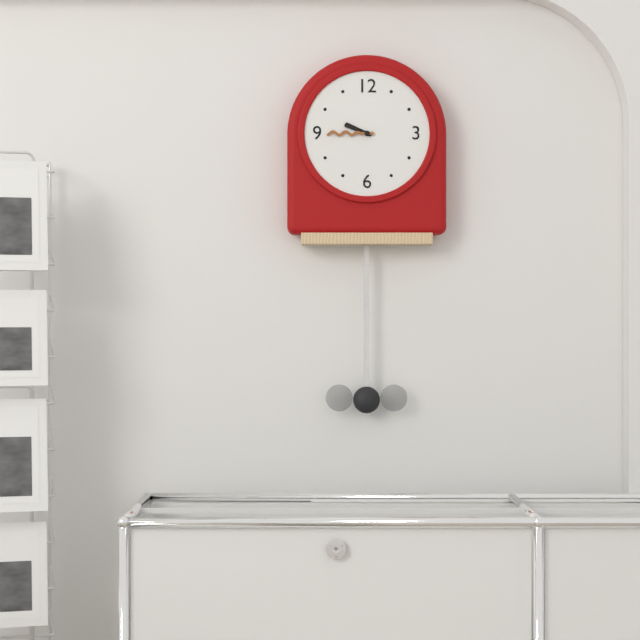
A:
9 h 45 min
